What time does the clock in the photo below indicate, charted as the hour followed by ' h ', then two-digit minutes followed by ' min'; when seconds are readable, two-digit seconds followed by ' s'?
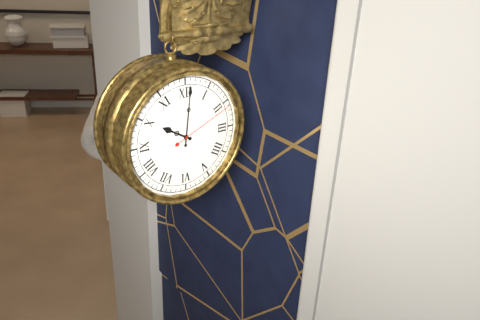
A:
10 h 01 min 11 s
